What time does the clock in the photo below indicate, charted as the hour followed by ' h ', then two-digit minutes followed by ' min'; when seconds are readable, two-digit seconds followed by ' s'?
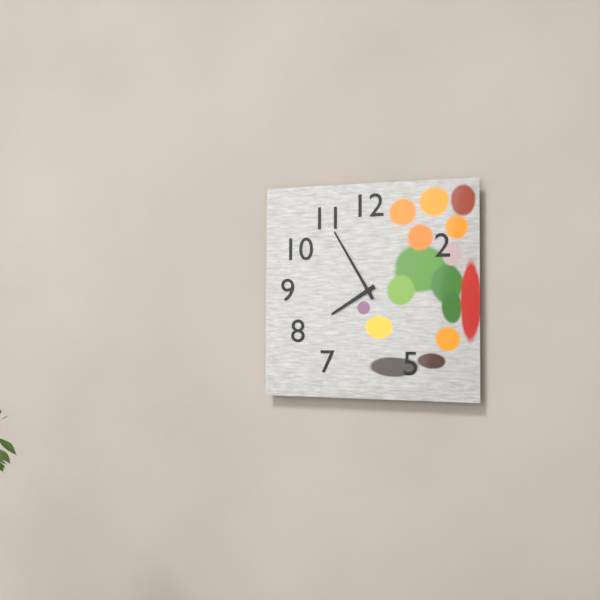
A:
7 h 55 min
